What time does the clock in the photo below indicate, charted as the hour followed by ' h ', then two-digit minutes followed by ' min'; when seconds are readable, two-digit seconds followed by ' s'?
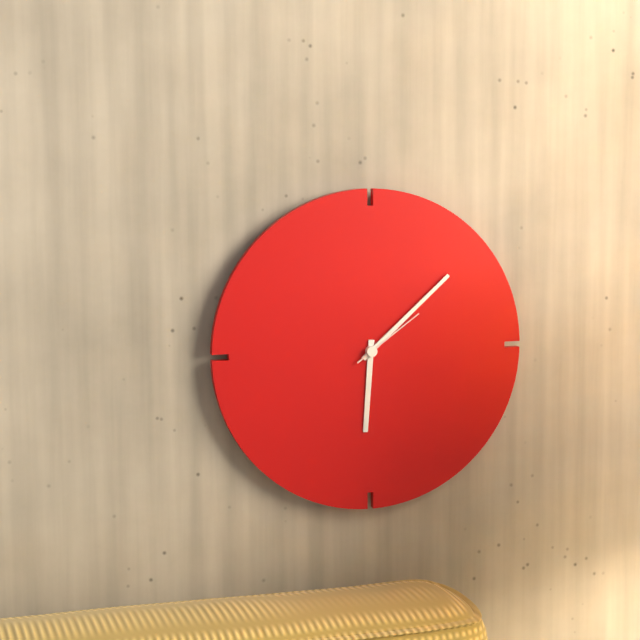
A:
6 h 08 min 09 s
